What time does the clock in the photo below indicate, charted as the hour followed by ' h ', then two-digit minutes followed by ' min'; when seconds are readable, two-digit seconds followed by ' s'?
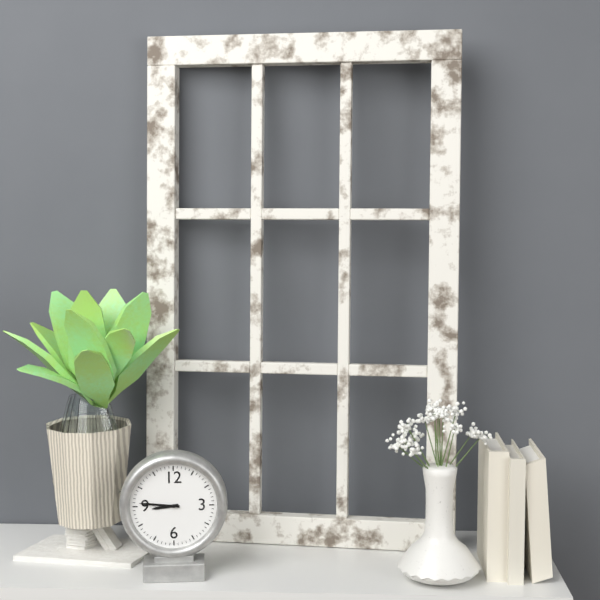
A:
8 h 46 min
